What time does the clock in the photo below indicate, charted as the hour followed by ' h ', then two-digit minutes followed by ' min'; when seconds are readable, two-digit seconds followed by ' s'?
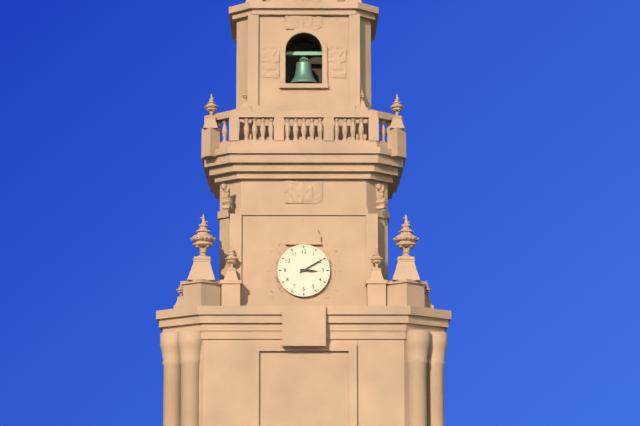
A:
3 h 10 min
